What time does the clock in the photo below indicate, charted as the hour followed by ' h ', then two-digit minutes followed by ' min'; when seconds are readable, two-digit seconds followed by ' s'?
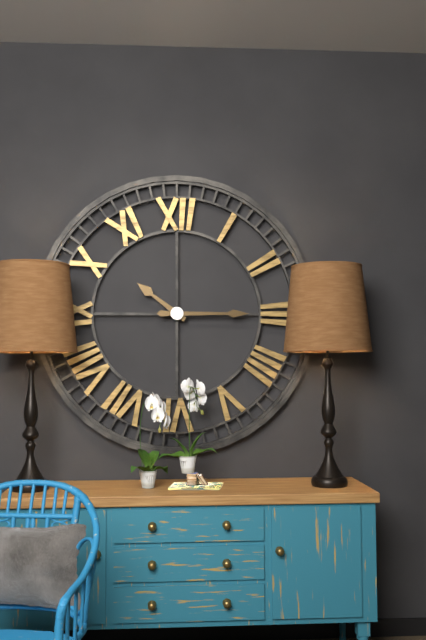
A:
10 h 15 min
